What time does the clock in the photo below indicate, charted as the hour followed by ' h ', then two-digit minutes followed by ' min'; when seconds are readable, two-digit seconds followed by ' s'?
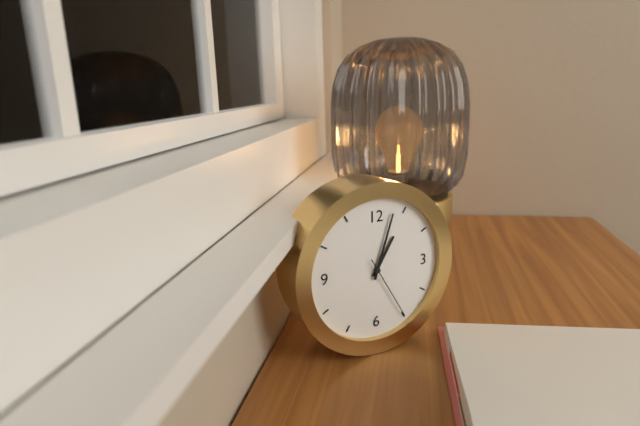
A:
1 h 03 min 25 s
